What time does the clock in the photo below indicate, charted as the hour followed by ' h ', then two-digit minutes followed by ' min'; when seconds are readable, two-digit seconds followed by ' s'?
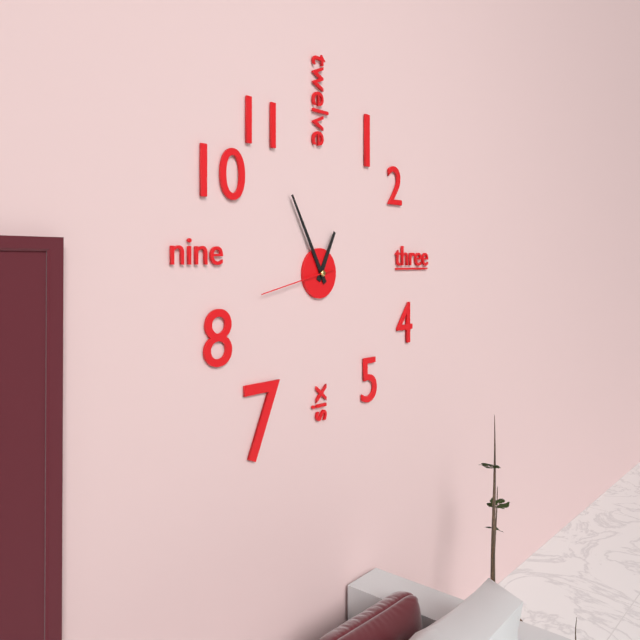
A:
12 h 55 min 43 s
